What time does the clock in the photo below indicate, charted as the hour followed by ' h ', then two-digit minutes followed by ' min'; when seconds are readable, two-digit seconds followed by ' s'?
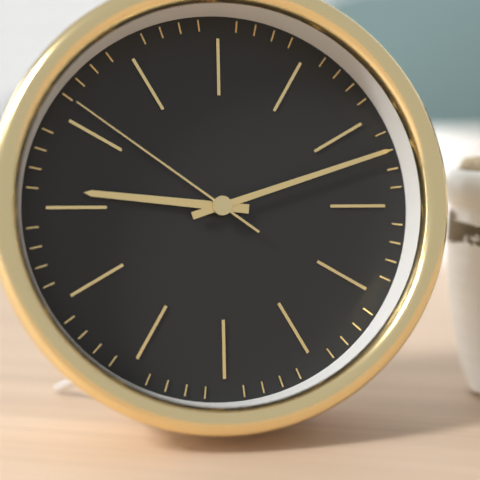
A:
9 h 12 min 51 s
